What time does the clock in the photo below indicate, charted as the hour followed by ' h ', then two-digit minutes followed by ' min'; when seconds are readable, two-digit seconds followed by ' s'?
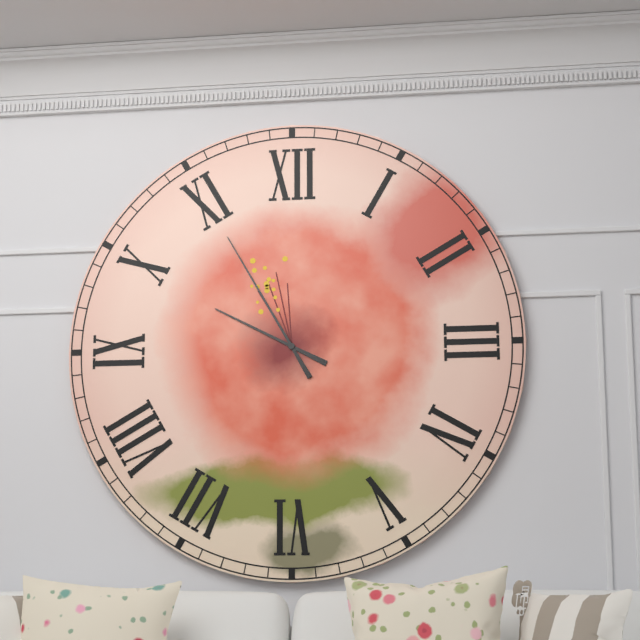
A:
9 h 55 min
